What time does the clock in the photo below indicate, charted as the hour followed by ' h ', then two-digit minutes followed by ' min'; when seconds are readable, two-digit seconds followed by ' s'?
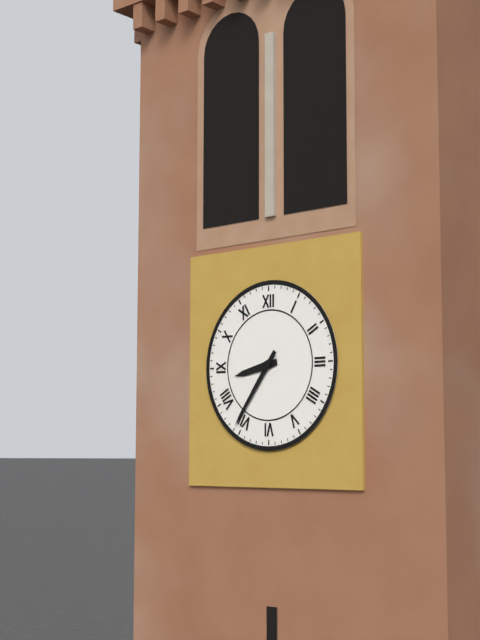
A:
8 h 36 min
